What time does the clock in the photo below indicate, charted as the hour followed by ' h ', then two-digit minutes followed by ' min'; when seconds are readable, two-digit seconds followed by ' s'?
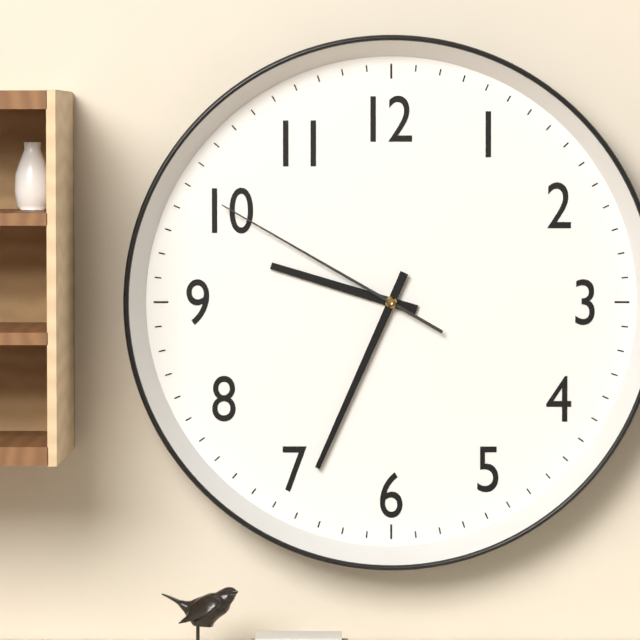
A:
9 h 34 min 50 s
